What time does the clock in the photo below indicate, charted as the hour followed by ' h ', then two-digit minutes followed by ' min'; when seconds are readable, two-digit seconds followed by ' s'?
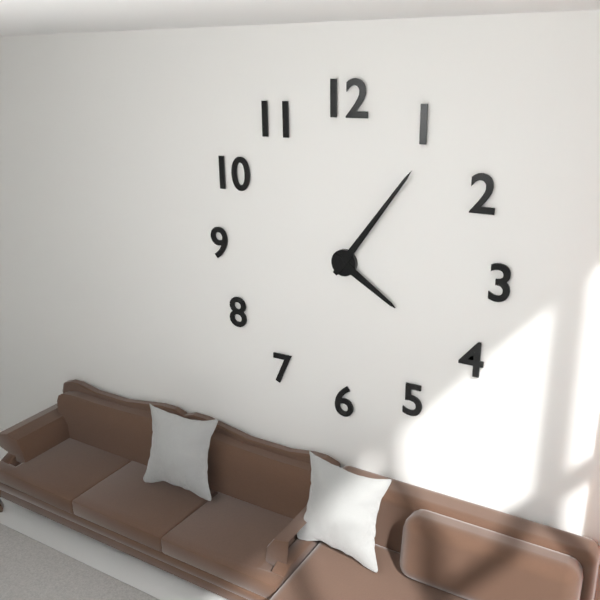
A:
4 h 06 min
